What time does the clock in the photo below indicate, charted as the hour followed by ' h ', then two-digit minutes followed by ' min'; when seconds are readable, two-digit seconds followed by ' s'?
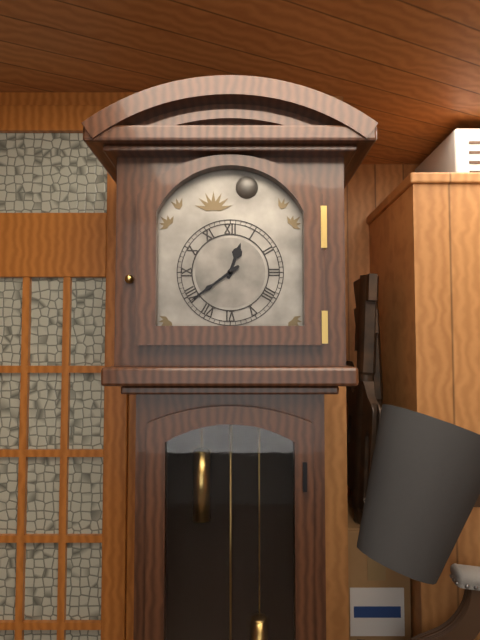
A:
12 h 39 min
